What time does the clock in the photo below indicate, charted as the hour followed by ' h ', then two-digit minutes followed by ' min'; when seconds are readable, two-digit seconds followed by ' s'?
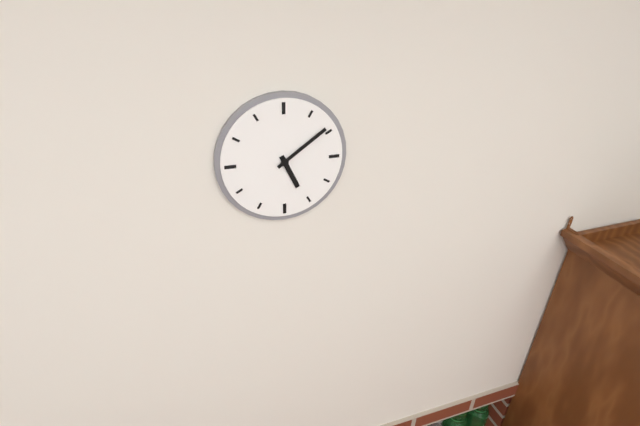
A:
5 h 09 min
